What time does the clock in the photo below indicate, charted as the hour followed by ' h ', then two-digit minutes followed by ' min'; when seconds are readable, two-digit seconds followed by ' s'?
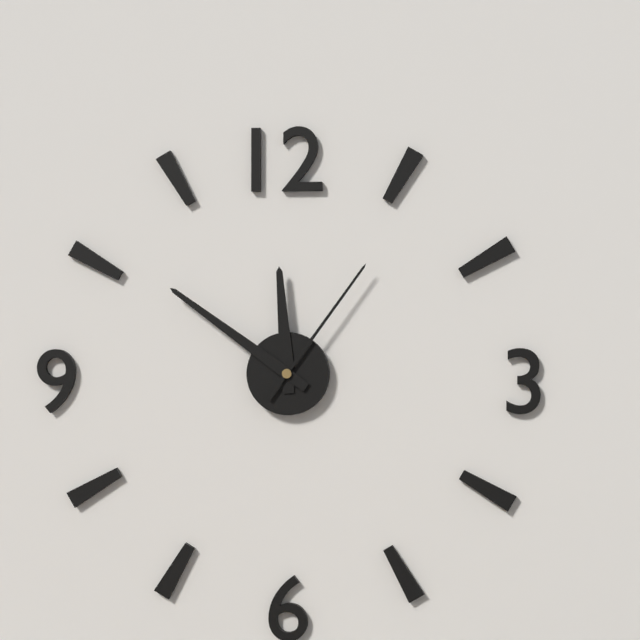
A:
11 h 51 min 06 s
